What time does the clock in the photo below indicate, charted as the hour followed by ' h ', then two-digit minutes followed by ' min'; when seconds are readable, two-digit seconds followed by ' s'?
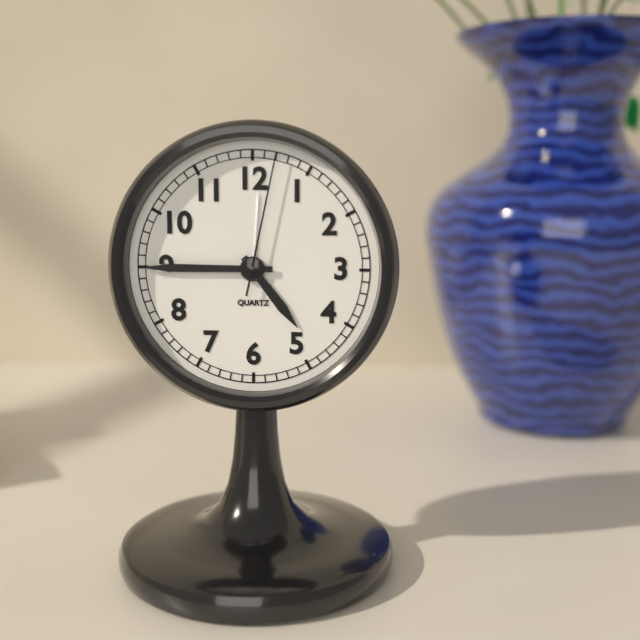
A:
4 h 45 min 02 s
